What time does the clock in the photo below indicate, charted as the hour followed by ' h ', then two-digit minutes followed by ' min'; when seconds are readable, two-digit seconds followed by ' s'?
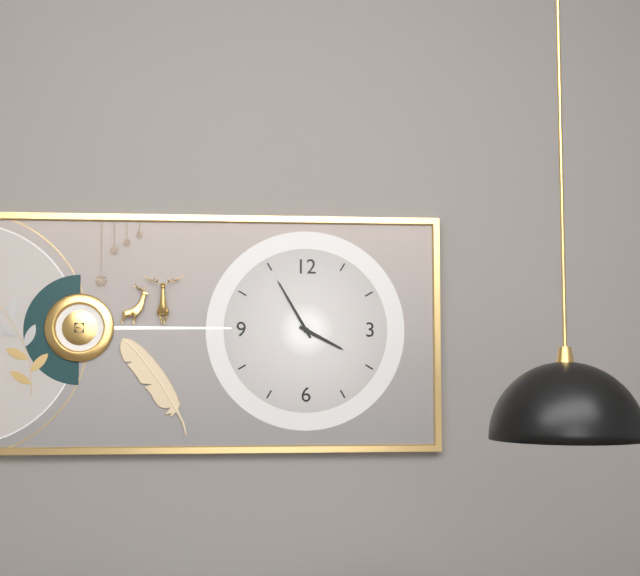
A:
3 h 55 min
